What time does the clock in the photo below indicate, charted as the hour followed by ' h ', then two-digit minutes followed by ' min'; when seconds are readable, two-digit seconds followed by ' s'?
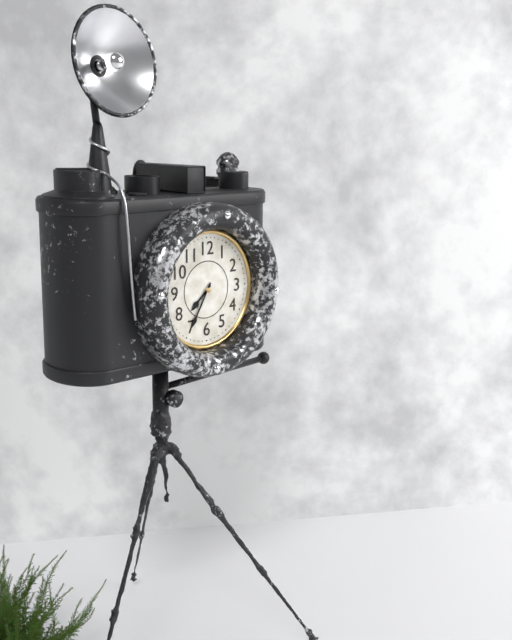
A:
7 h 35 min
